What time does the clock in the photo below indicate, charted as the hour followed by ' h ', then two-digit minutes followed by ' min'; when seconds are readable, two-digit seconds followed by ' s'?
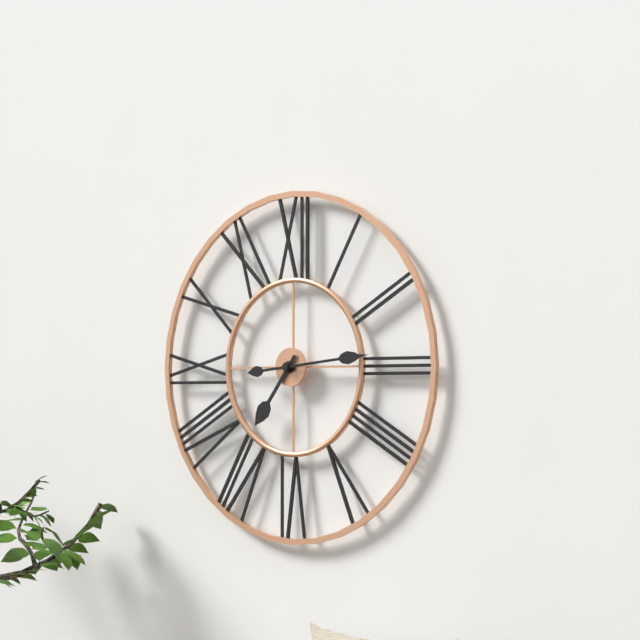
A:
7 h 14 min
